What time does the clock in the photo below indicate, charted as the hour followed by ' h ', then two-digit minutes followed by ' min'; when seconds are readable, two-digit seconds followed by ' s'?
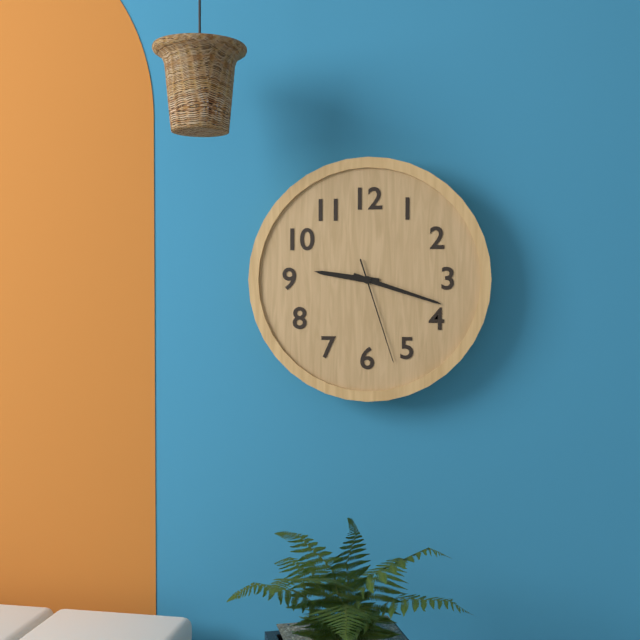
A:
9 h 18 min 27 s
